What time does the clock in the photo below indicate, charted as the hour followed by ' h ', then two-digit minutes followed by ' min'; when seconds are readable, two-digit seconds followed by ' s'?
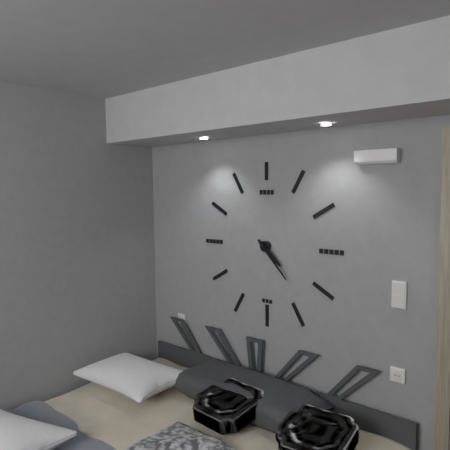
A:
4 h 23 min
